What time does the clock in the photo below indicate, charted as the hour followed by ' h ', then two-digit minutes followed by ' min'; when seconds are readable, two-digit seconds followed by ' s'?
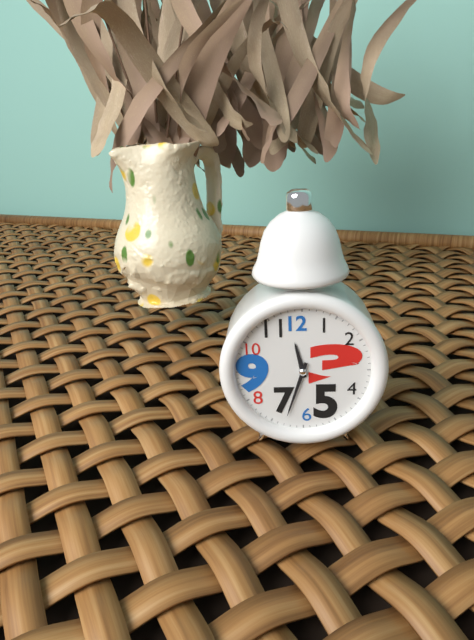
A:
11 h 33 min
